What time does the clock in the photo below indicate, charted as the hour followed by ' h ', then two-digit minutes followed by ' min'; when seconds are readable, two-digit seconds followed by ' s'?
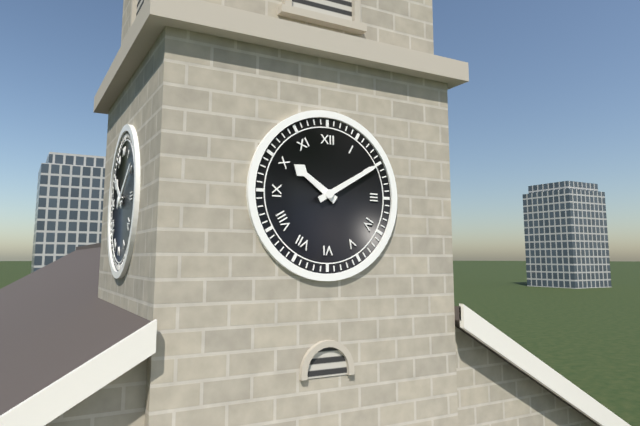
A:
10 h 10 min
